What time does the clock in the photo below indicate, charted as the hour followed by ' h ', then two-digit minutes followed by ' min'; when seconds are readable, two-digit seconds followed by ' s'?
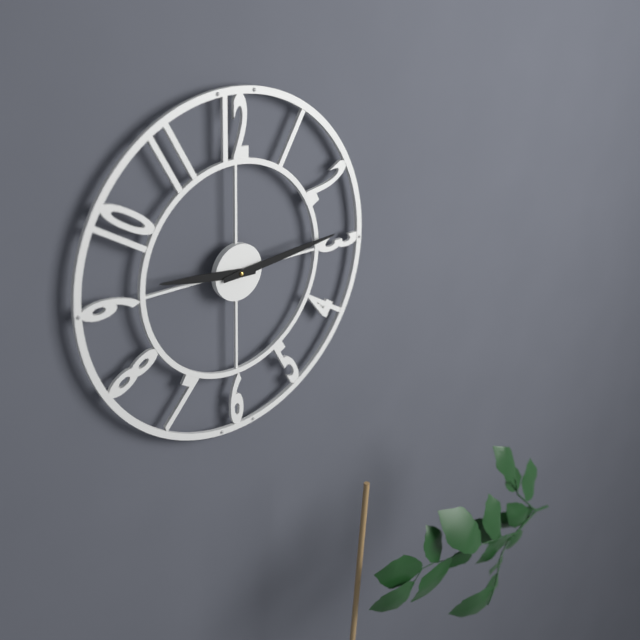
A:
9 h 14 min
